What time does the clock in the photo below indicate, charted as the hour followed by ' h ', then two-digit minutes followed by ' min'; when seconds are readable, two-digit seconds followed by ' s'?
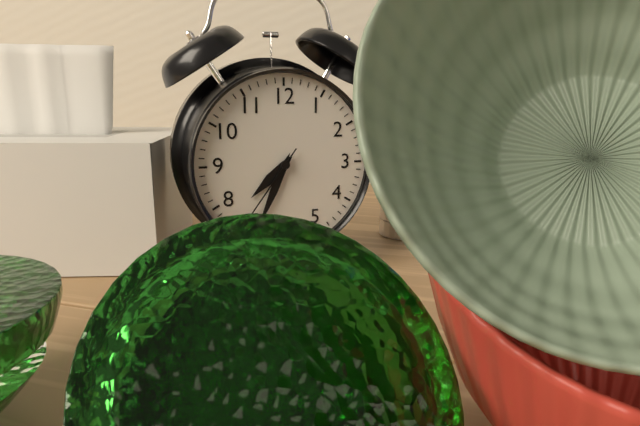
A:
7 h 34 min 36 s
